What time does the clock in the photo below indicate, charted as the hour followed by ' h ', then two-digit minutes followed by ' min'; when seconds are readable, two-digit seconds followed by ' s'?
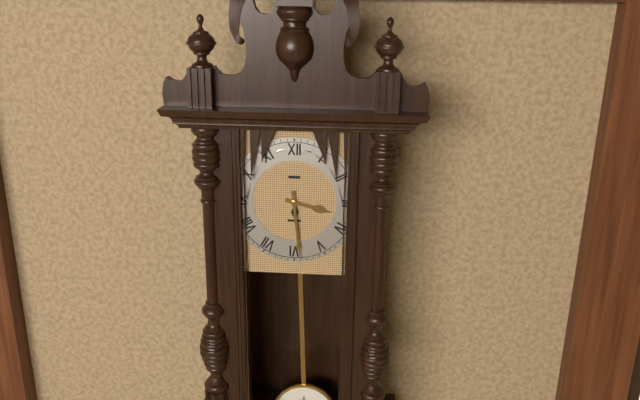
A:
3 h 29 min
